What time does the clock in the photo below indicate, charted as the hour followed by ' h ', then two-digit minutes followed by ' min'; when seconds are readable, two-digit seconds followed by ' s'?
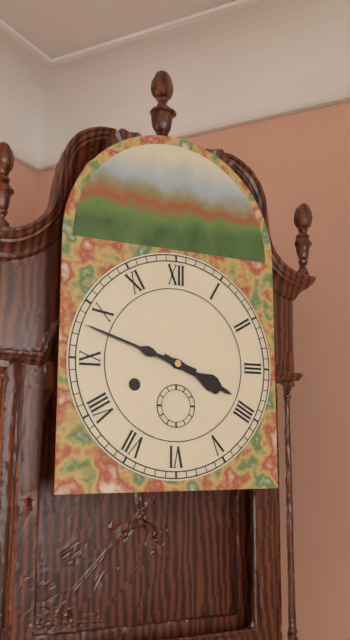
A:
3 h 48 min
